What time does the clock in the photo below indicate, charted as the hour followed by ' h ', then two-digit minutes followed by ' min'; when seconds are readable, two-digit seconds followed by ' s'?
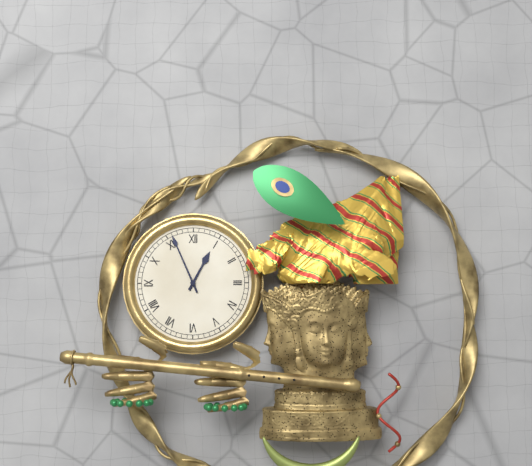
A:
12 h 56 min
